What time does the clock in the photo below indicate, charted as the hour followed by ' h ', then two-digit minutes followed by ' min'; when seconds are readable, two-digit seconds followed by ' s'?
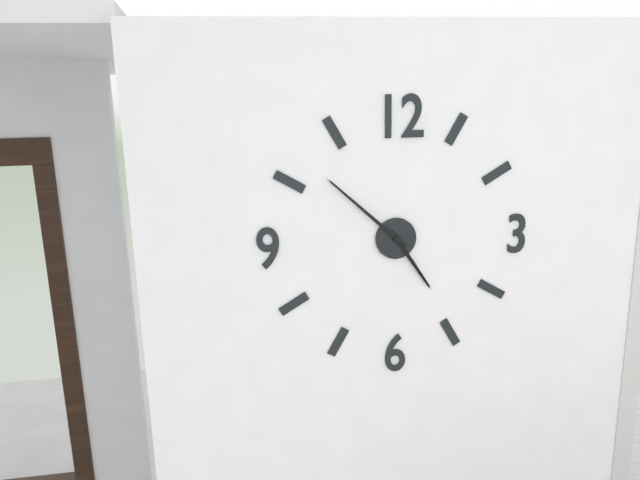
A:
4 h 52 min
